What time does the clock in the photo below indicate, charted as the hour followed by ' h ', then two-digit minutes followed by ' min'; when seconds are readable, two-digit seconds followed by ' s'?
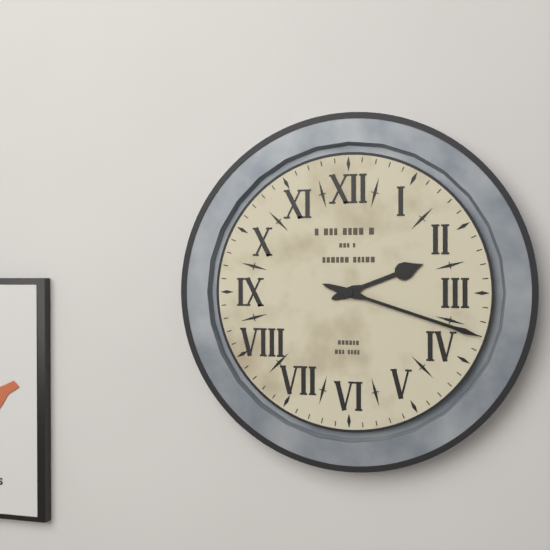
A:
2 h 18 min
